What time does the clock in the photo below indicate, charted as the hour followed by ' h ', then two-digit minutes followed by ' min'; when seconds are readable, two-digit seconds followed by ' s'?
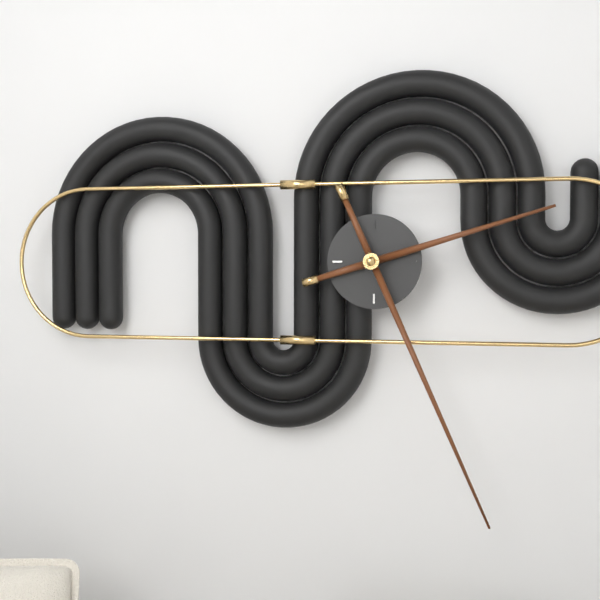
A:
2 h 26 min
